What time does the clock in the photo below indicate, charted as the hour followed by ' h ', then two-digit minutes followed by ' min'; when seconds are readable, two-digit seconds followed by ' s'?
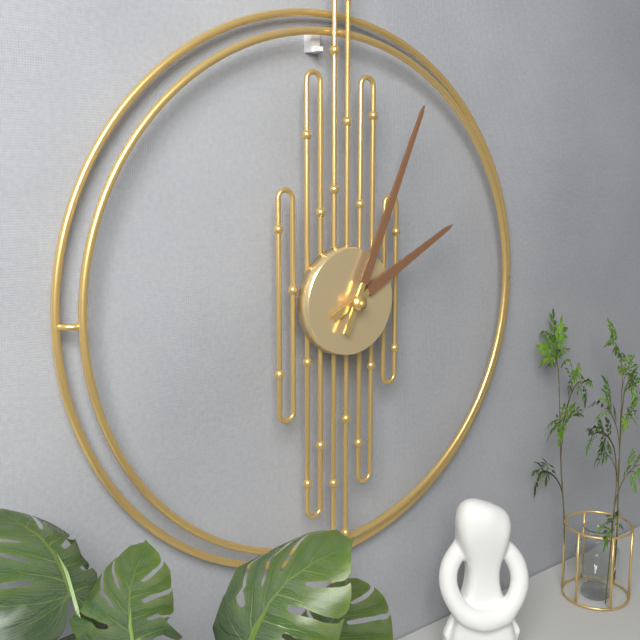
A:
2 h 04 min
